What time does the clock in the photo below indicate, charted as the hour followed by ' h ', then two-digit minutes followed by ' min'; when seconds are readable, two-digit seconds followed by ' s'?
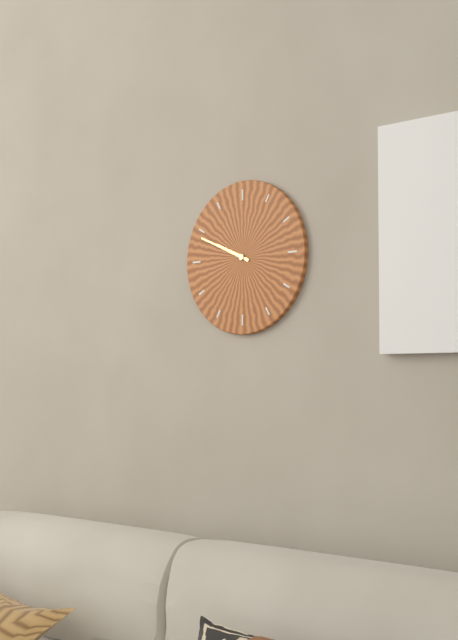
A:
9 h 49 min
